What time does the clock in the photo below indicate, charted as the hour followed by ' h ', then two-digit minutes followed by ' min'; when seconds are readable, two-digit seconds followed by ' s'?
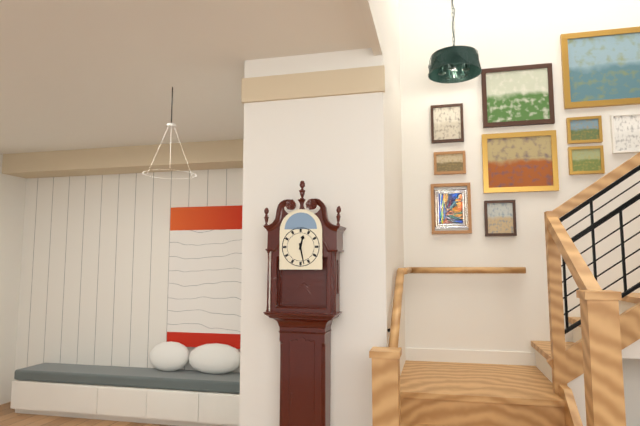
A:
12 h 28 min
